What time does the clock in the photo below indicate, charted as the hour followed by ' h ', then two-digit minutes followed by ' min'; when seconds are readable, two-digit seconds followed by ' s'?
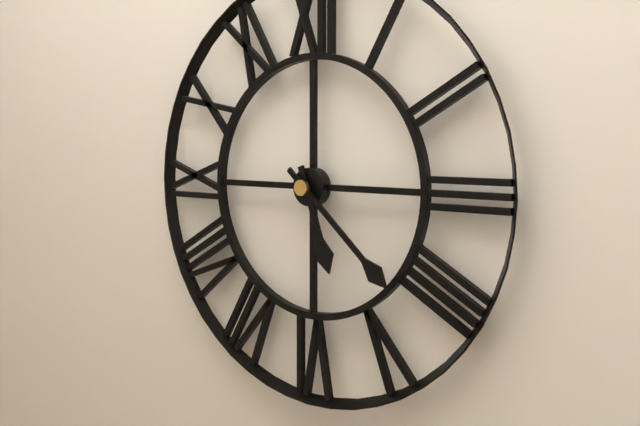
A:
5 h 22 min
